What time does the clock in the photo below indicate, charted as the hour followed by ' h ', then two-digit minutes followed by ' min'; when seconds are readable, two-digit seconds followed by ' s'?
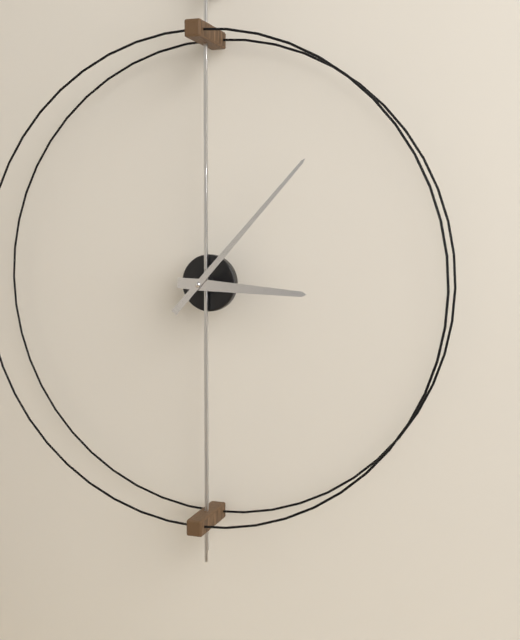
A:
3 h 07 min
